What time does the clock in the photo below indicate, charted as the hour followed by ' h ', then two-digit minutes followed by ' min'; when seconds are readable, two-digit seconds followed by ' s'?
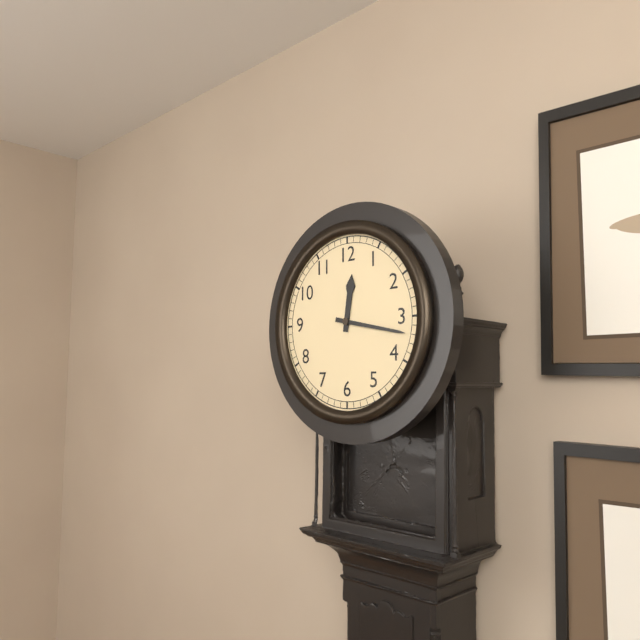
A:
12 h 17 min
